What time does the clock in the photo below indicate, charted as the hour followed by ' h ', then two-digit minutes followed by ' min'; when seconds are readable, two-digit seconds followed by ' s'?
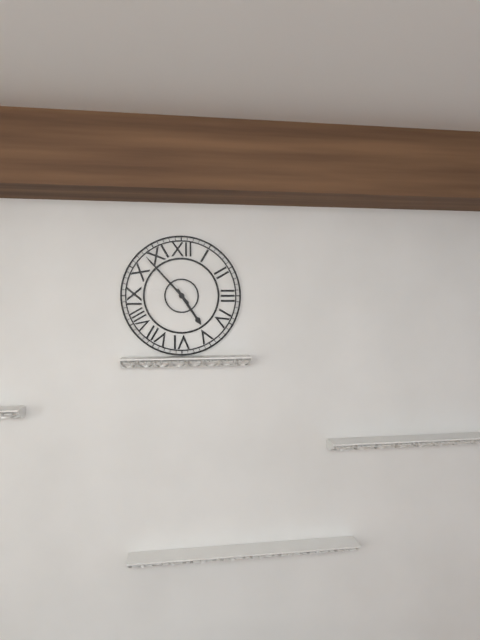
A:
4 h 53 min
